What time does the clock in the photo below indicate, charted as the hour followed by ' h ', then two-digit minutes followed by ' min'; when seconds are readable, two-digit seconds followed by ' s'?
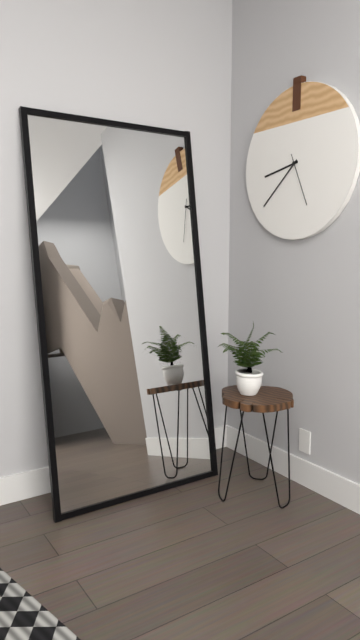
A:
8 h 38 min 26 s
